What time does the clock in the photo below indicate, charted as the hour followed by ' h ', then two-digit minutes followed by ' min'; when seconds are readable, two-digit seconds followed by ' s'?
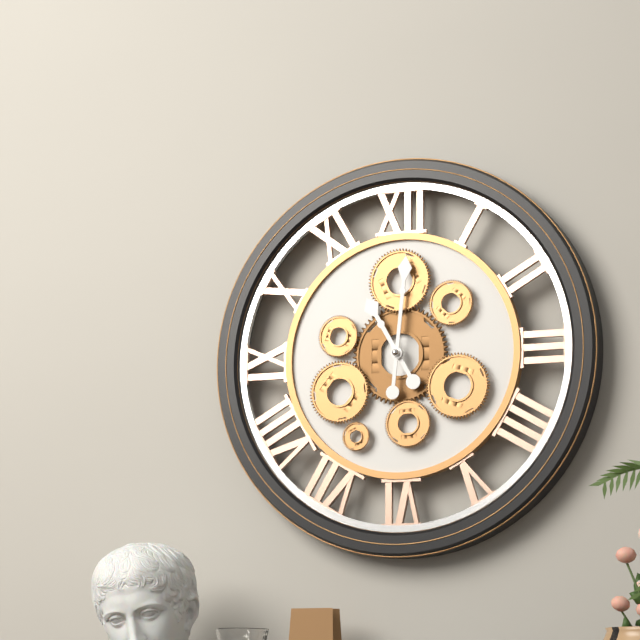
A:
11 h 01 min
